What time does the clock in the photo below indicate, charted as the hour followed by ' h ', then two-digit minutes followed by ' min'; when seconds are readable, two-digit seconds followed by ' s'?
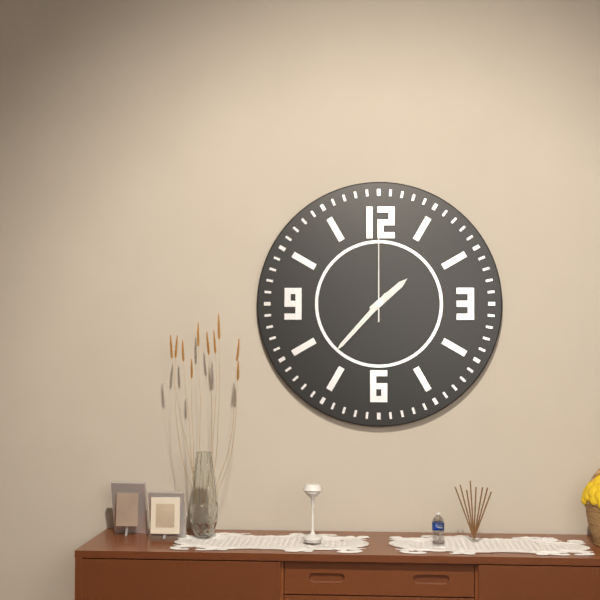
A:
1 h 37 min 00 s
